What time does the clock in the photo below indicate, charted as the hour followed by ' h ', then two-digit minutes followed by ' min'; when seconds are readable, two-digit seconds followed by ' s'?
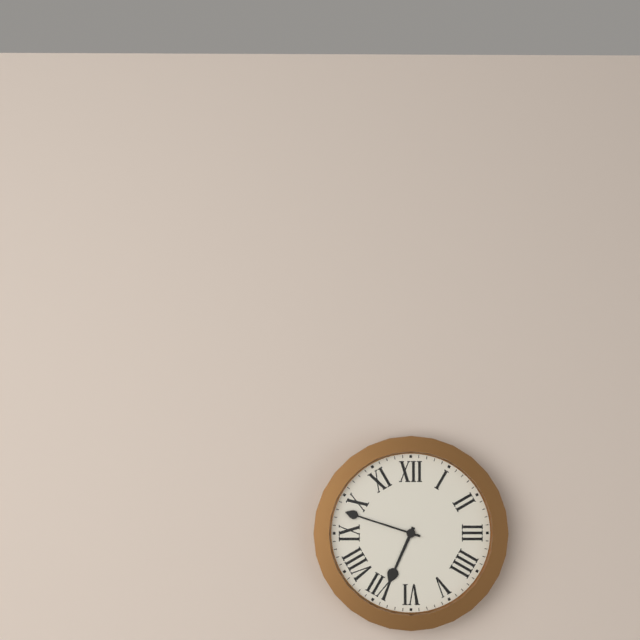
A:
6 h 48 min
